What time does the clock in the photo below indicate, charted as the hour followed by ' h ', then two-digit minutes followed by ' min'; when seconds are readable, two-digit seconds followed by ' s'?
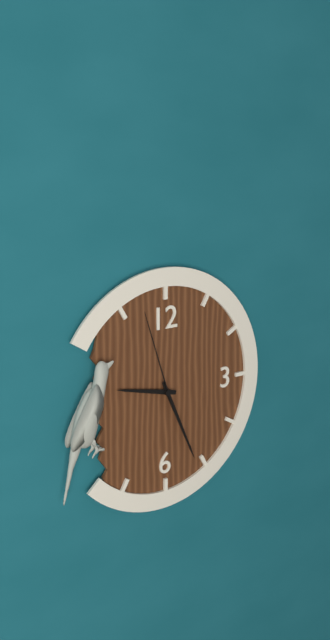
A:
9 h 26 min 57 s
